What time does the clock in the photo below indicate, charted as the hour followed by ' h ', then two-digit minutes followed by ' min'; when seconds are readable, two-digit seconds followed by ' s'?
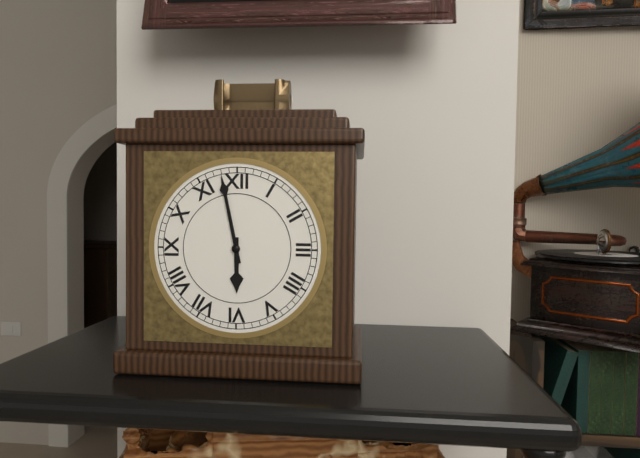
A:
5 h 58 min
